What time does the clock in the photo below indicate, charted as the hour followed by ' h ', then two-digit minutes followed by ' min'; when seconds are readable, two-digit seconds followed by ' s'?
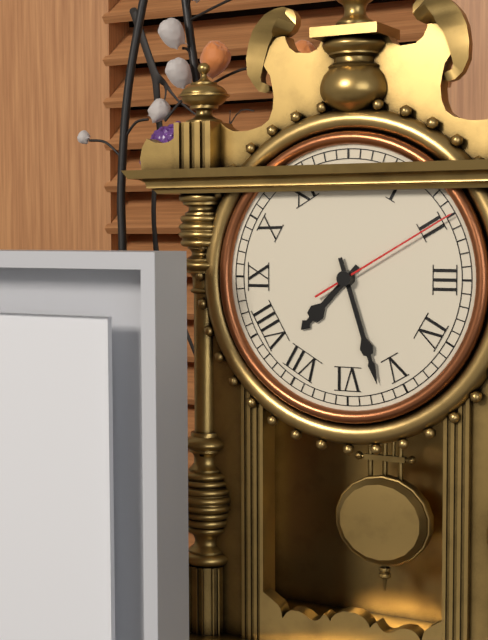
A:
7 h 27 min 10 s
